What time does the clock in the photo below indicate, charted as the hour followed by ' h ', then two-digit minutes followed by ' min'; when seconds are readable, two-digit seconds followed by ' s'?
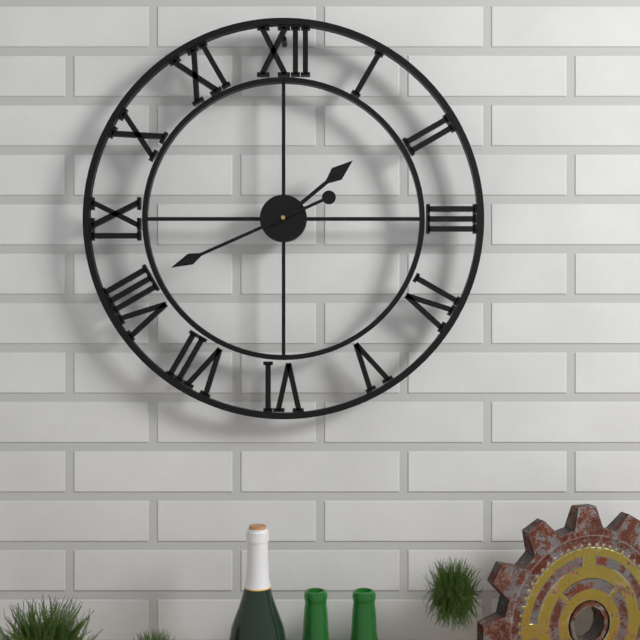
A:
1 h 41 min
